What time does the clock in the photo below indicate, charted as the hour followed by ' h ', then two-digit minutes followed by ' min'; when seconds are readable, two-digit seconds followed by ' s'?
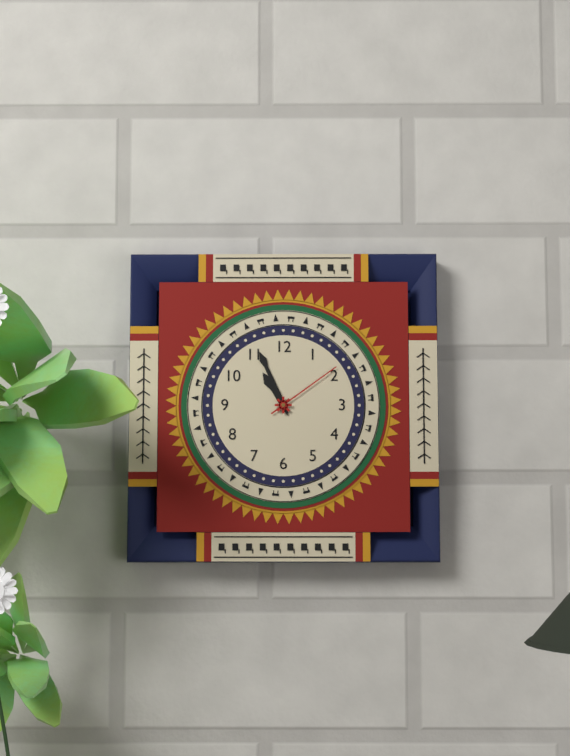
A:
10 h 56 min 09 s
